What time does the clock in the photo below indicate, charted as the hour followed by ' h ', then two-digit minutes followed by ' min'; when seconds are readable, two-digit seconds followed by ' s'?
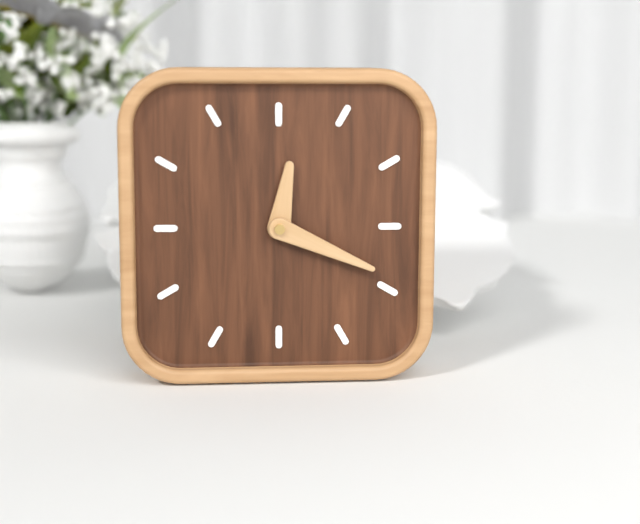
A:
12 h 19 min
